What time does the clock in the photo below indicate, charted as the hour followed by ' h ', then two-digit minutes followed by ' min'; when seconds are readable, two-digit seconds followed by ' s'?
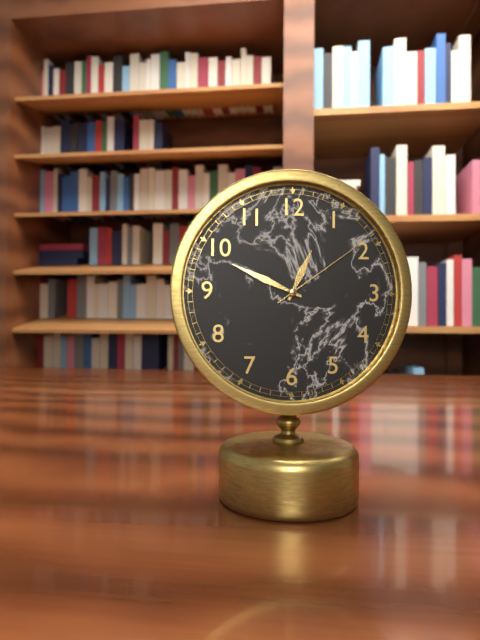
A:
12 h 49 min 09 s
